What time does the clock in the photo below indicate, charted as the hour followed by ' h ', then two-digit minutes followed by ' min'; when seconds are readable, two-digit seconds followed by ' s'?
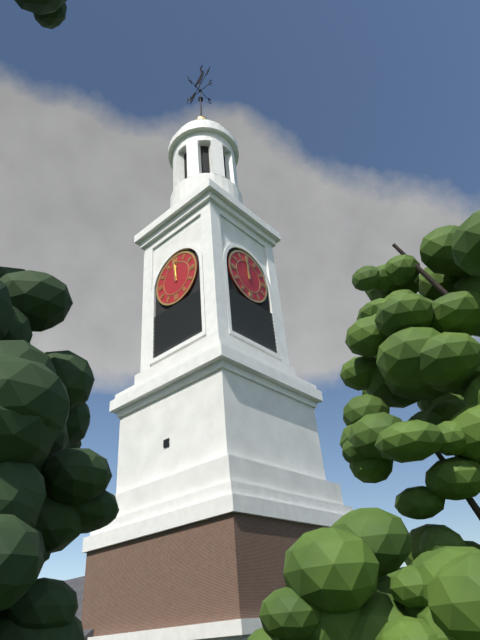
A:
11 h 59 min
